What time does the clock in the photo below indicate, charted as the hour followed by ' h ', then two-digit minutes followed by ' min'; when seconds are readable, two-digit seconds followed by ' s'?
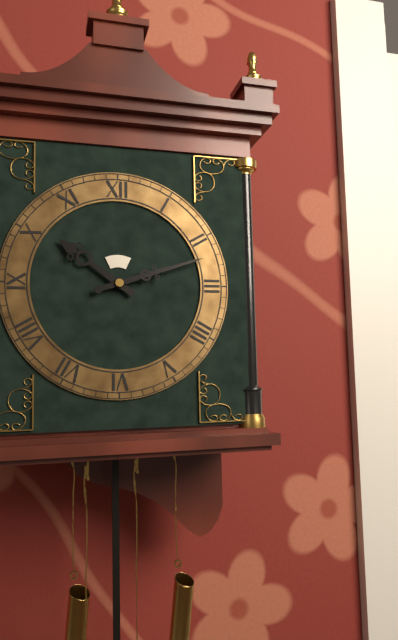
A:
10 h 12 min
